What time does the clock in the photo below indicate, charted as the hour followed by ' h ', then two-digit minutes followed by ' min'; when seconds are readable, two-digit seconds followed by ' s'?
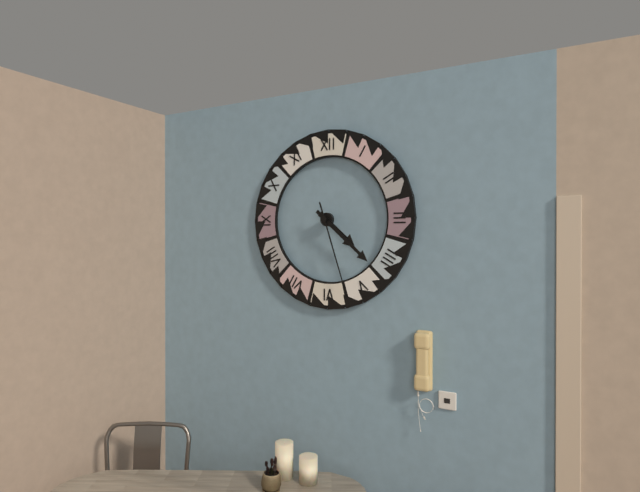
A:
4 h 22 min 27 s
